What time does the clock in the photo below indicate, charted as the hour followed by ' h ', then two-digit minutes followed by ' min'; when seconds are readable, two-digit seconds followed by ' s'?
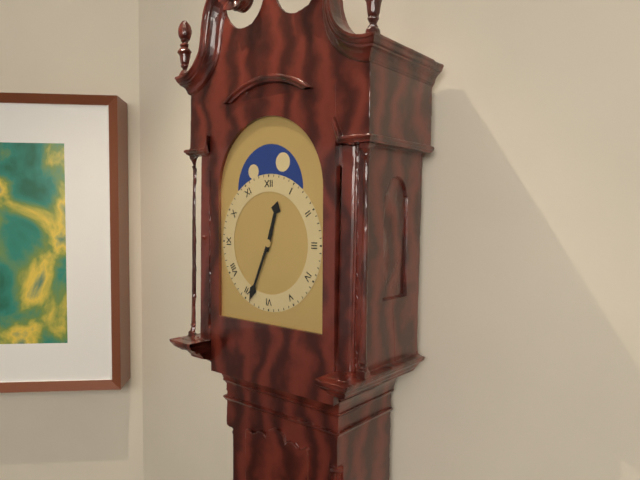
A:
12 h 34 min
